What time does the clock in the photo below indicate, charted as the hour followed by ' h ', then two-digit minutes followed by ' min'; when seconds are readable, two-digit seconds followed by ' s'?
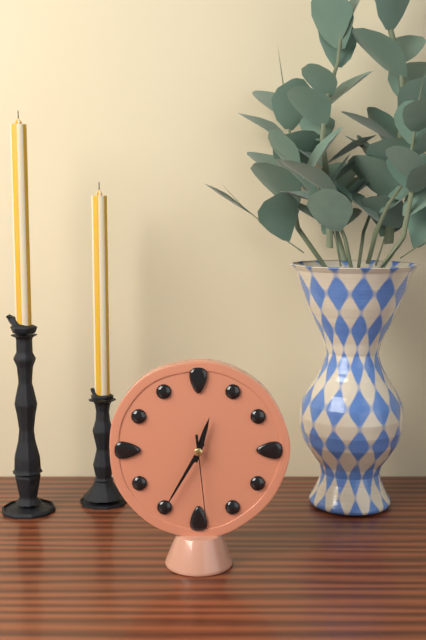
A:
12 h 35 min 29 s
